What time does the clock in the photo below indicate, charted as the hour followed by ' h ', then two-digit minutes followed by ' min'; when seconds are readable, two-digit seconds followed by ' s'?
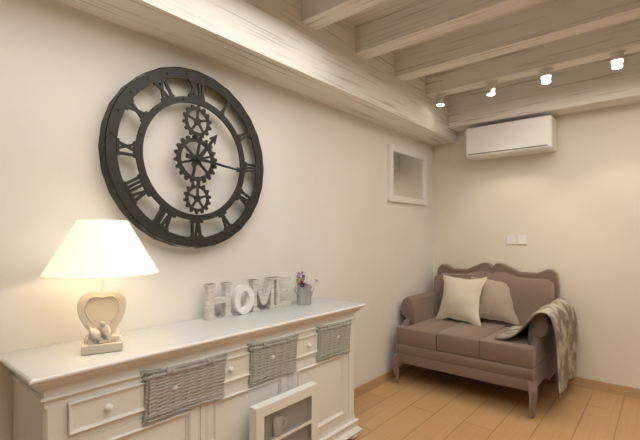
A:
1 h 16 min
